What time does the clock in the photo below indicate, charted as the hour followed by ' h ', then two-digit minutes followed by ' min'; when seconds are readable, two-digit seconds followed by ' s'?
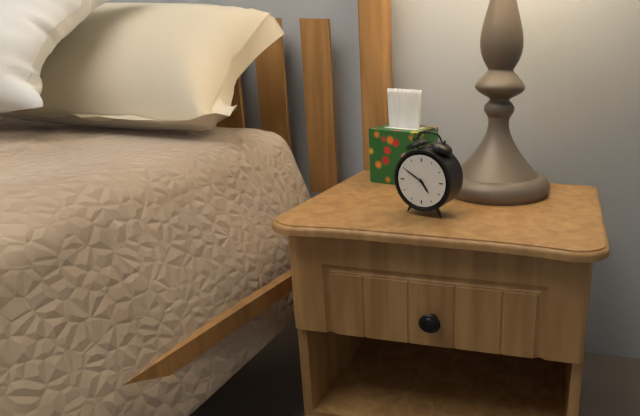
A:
4 h 50 min
